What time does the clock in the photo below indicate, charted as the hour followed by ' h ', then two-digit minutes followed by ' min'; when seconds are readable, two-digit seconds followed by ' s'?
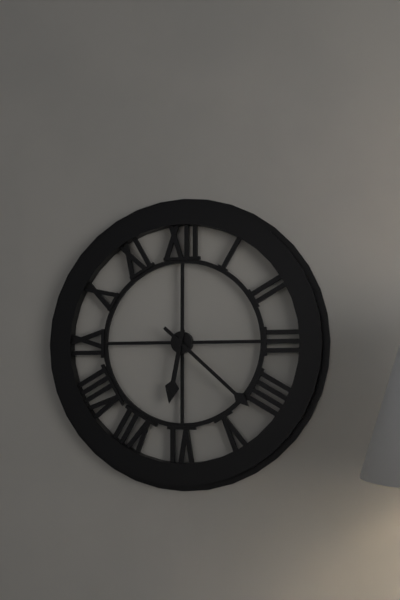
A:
6 h 22 min
